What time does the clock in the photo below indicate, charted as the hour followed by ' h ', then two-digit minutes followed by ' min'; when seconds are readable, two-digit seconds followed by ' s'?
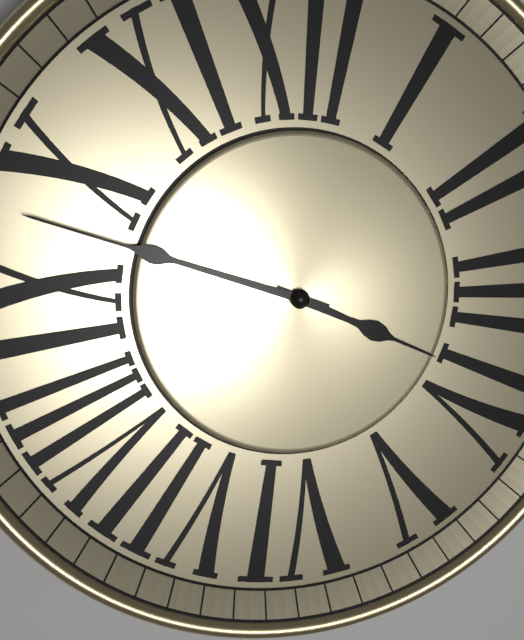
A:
3 h 48 min
